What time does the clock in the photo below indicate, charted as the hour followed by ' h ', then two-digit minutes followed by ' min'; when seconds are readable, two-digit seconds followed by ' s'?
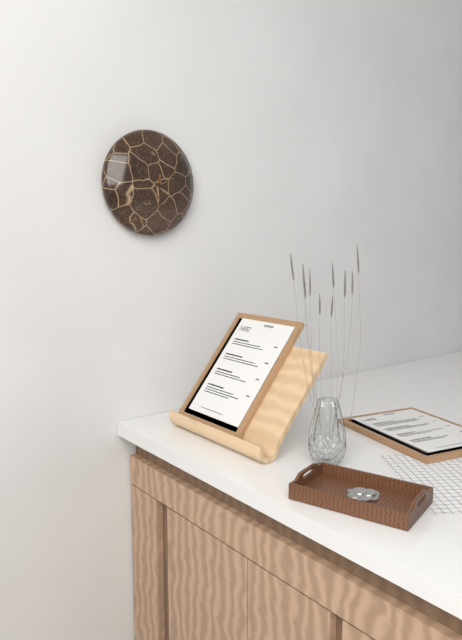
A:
2 h 30 min
